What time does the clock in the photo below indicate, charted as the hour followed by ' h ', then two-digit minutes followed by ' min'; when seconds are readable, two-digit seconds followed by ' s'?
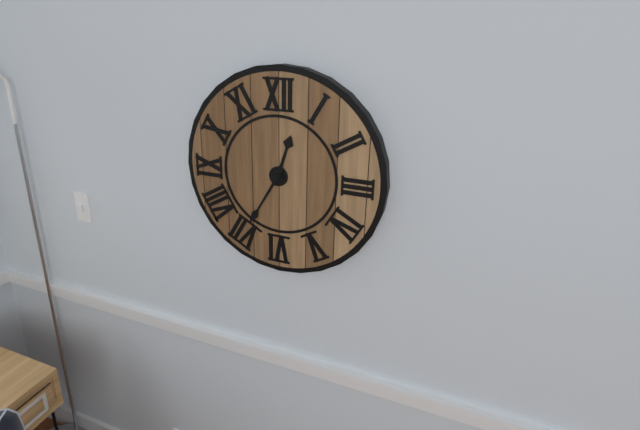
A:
12 h 35 min
